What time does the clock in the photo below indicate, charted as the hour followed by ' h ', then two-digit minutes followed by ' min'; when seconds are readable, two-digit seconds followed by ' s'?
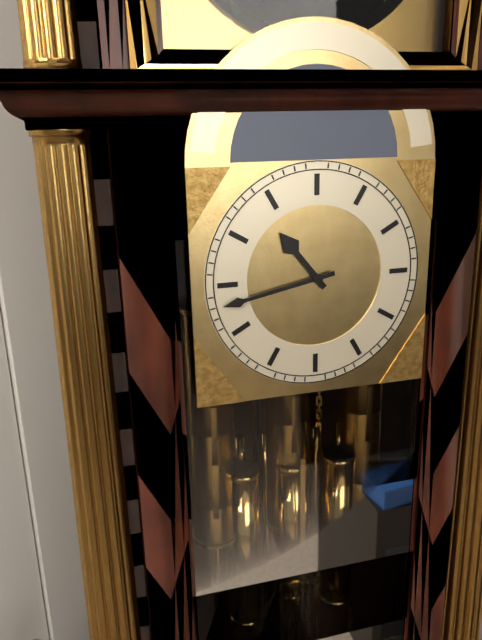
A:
10 h 43 min
